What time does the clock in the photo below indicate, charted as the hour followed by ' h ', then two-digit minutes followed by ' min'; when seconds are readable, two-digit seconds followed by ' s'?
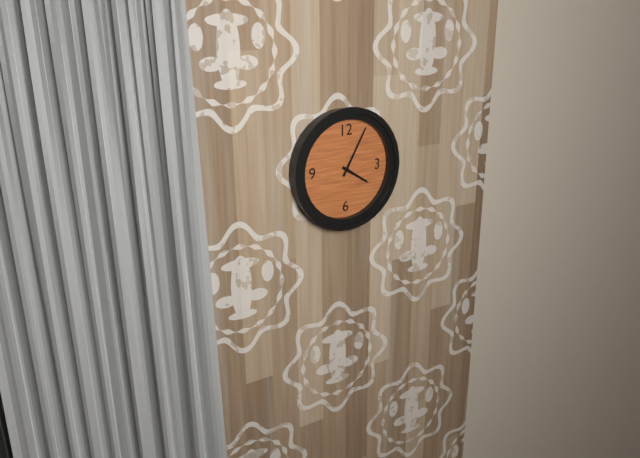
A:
4 h 05 min
